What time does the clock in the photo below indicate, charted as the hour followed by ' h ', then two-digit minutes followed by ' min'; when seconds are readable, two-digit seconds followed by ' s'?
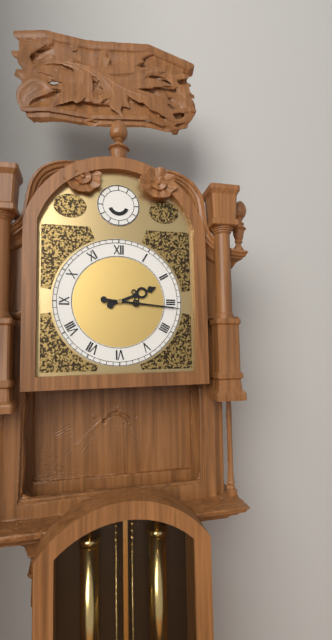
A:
2 h 16 min
